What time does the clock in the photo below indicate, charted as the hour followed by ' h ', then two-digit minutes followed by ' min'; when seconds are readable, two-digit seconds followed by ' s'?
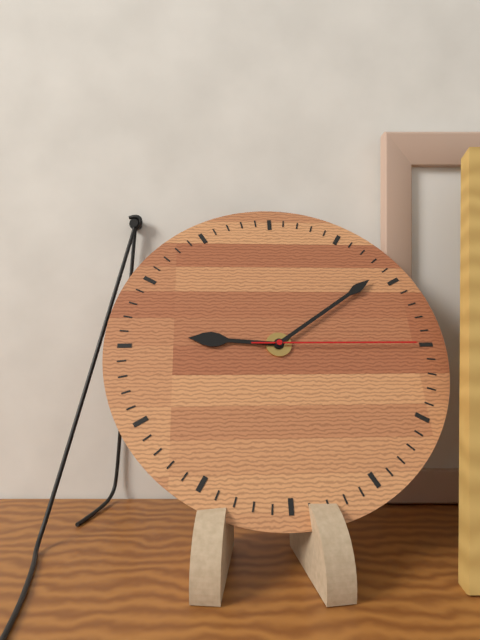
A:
9 h 09 min 15 s
